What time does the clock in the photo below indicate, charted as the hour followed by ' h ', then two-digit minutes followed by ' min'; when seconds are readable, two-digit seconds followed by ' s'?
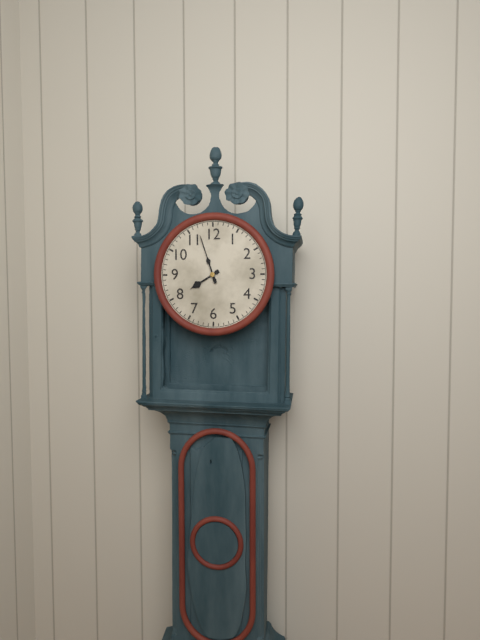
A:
7 h 57 min
